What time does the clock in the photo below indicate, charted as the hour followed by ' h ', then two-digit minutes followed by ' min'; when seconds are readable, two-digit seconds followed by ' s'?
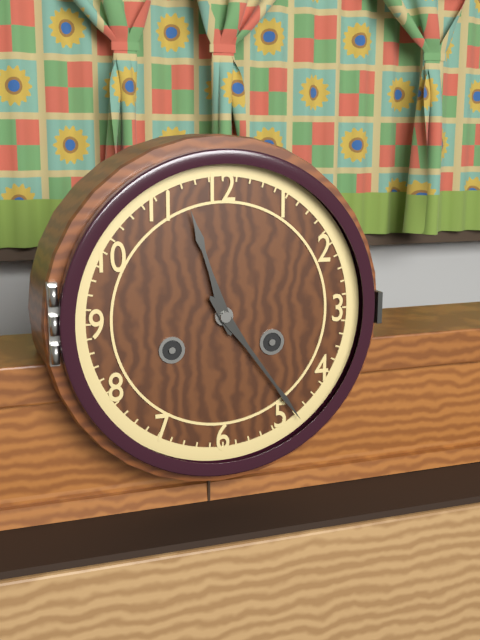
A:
11 h 24 min
